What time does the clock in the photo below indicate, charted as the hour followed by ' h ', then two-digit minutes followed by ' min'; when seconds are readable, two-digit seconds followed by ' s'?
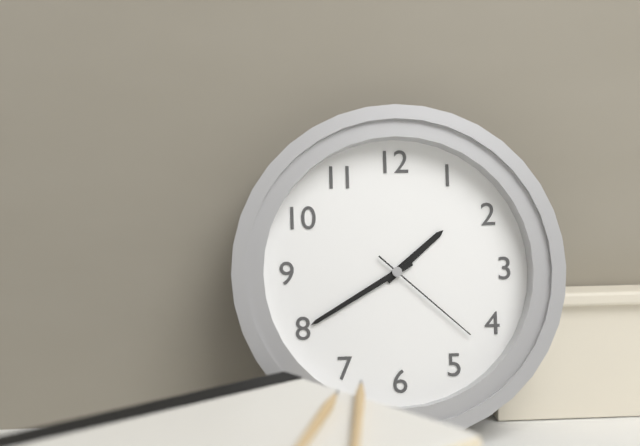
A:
1 h 40 min 22 s
